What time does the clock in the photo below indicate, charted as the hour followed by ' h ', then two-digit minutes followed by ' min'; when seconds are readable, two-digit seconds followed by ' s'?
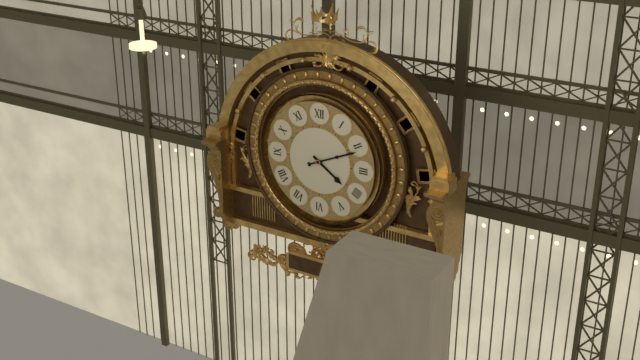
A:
4 h 11 min
